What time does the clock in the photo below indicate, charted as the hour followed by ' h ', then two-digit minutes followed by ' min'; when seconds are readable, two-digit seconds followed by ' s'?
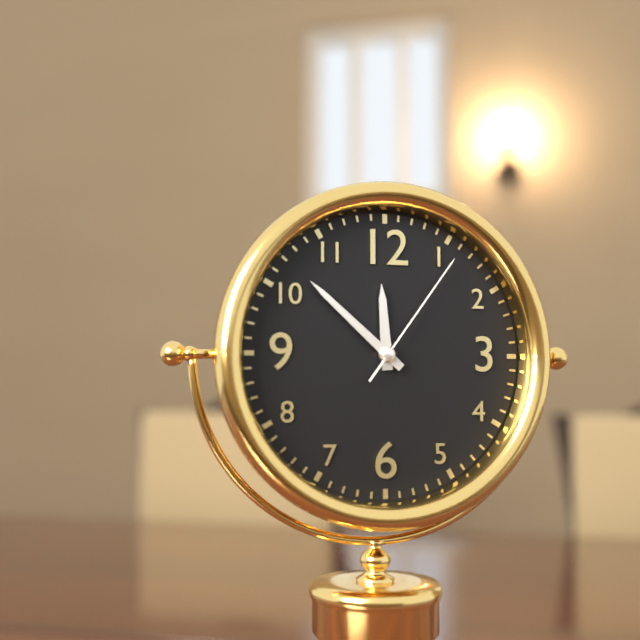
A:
11 h 52 min 06 s
